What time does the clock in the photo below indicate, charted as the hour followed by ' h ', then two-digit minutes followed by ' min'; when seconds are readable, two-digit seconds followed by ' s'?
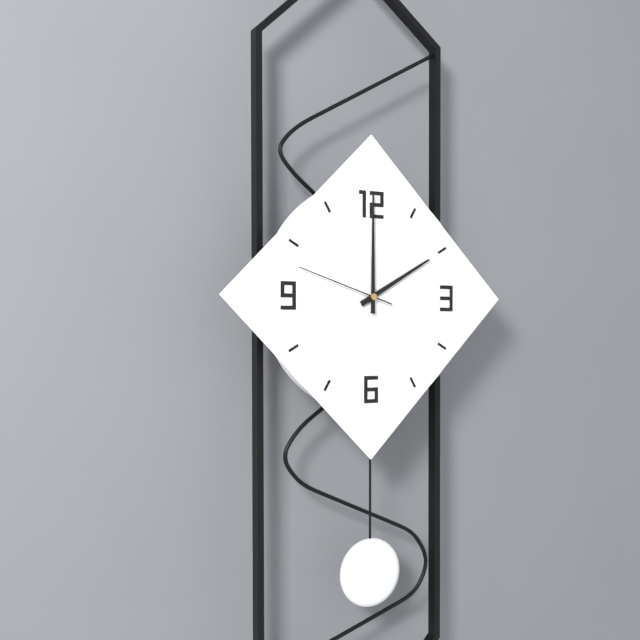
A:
2 h 00 min 48 s
